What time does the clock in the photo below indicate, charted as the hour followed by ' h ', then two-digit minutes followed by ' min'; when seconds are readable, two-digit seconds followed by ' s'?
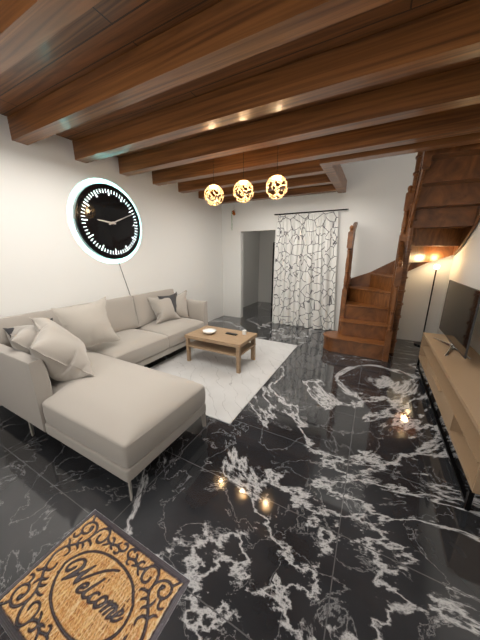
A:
9 h 11 min
